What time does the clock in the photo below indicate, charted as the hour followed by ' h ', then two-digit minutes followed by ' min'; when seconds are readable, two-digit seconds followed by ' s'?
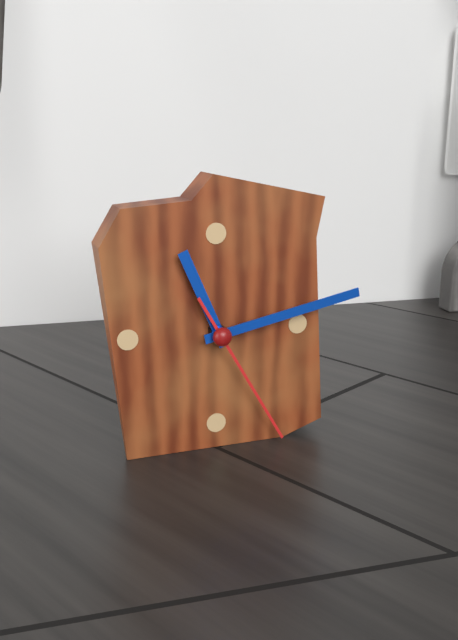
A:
11 h 13 min 25 s
